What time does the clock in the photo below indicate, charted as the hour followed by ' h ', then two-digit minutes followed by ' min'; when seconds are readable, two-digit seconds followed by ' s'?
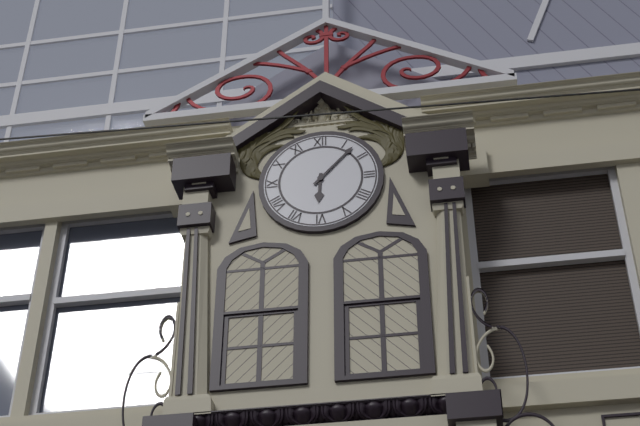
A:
6 h 07 min
